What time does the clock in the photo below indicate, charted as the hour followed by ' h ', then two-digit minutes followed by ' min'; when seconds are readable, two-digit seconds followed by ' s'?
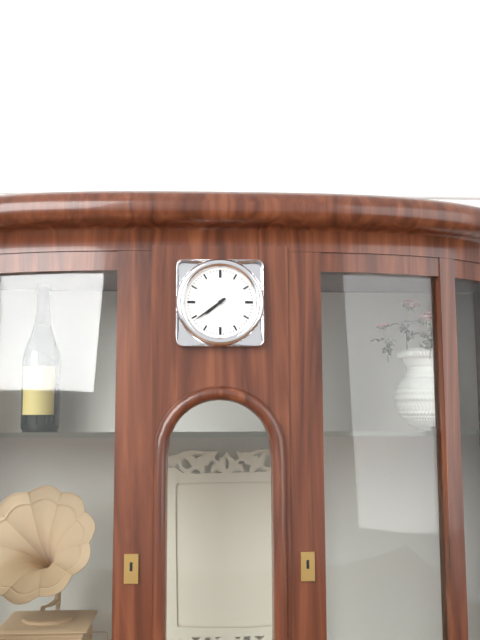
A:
7 h 39 min
